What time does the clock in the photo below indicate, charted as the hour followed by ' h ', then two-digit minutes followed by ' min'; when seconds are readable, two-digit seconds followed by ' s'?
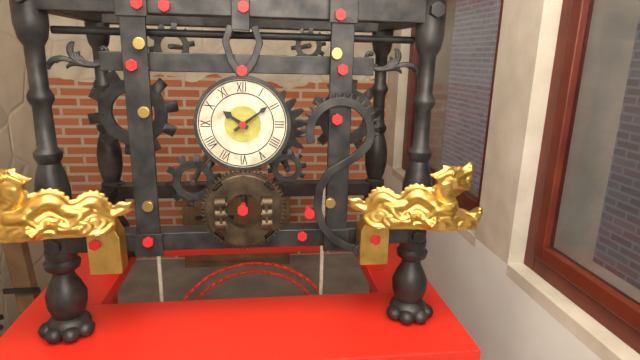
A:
10 h 09 min
